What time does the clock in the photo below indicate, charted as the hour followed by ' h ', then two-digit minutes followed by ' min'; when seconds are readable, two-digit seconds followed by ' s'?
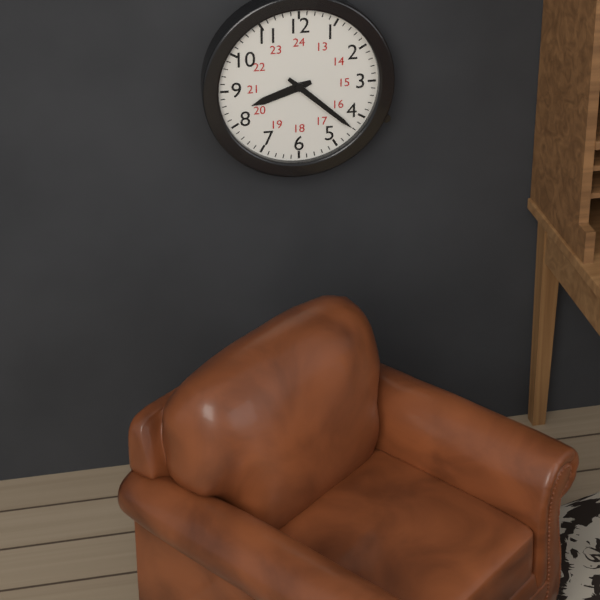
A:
8 h 22 min
